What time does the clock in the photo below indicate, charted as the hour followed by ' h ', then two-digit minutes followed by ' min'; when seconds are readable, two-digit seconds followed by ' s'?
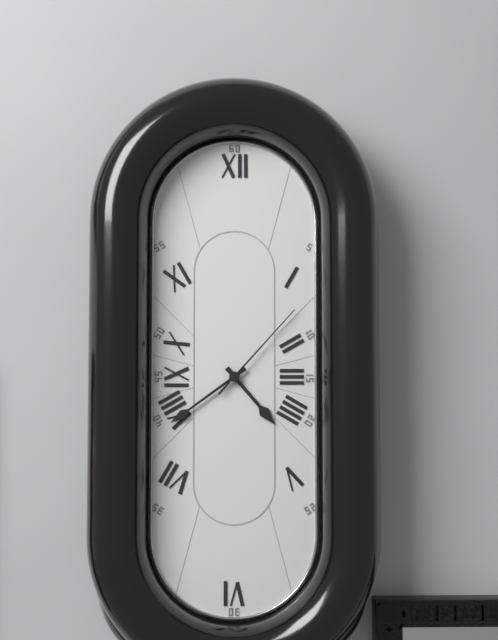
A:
4 h 39 min 07 s
